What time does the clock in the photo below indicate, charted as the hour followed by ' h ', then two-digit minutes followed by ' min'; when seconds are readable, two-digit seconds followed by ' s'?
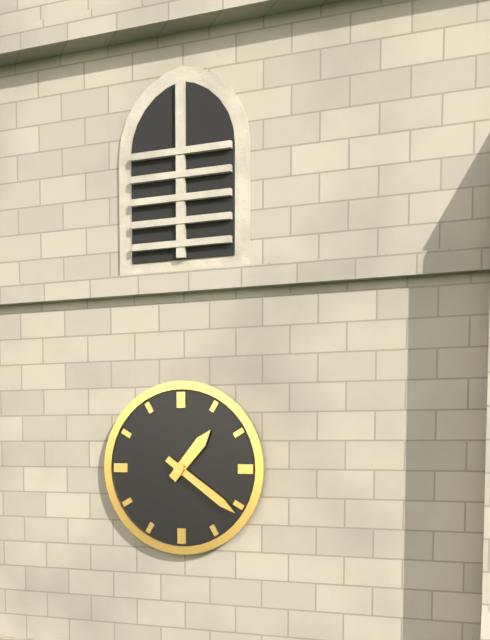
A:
1 h 21 min
